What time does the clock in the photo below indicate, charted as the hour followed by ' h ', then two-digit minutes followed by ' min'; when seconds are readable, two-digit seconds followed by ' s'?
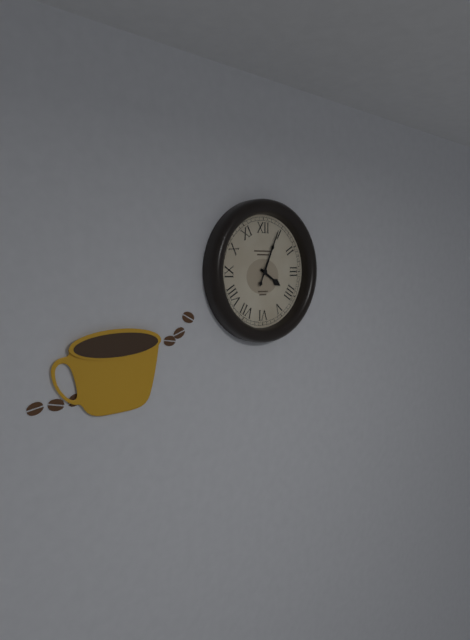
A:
4 h 04 min
